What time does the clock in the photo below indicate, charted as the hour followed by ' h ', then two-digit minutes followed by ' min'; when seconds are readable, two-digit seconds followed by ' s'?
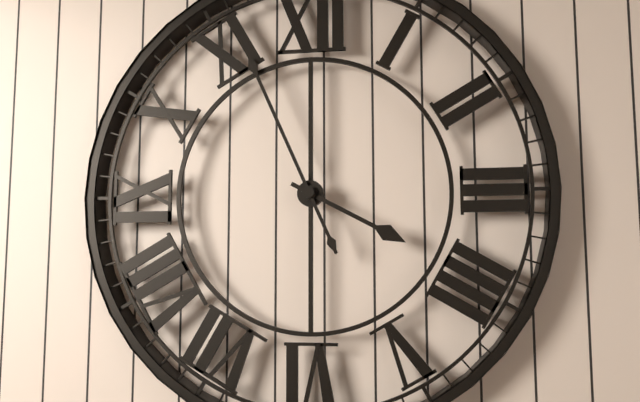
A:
3 h 56 min
